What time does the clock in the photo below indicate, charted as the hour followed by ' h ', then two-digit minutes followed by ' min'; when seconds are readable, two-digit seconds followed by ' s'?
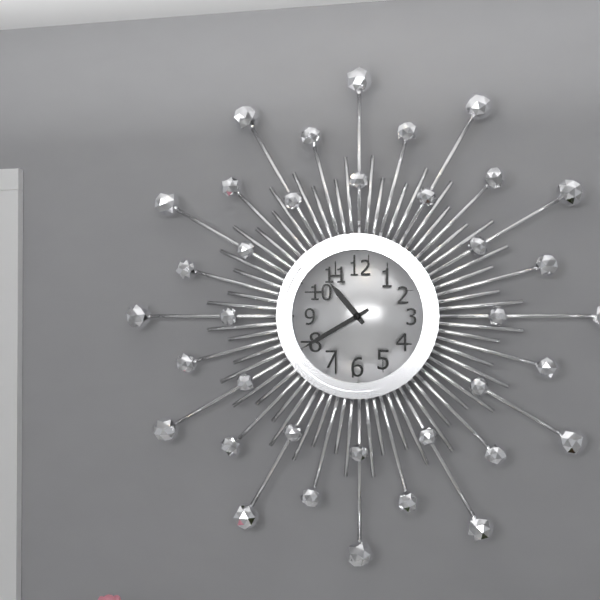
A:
10 h 40 min
